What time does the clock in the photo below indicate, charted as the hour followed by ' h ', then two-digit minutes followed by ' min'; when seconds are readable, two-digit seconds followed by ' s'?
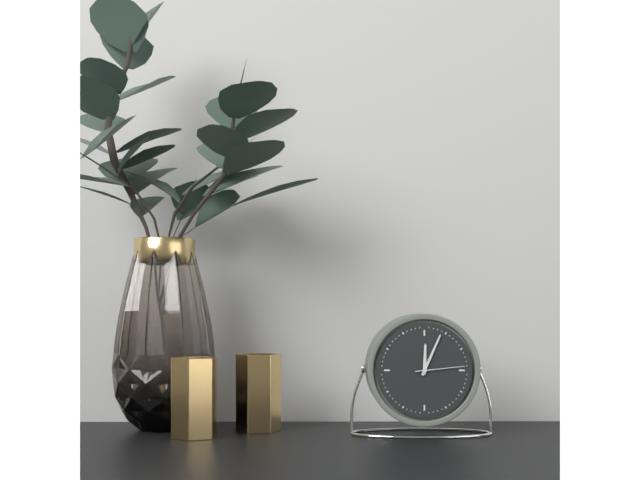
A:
12 h 04 min 14 s
